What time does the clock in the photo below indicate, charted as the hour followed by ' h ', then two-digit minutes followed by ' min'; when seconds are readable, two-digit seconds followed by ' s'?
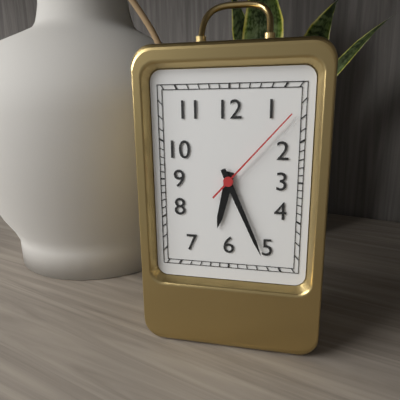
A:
6 h 26 min 07 s
